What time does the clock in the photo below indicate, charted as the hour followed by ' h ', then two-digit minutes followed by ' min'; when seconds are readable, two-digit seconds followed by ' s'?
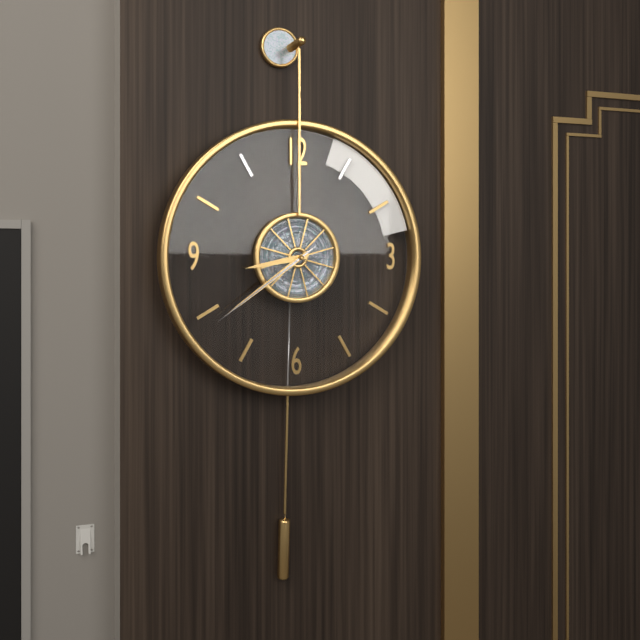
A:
8 h 39 min 39 s
